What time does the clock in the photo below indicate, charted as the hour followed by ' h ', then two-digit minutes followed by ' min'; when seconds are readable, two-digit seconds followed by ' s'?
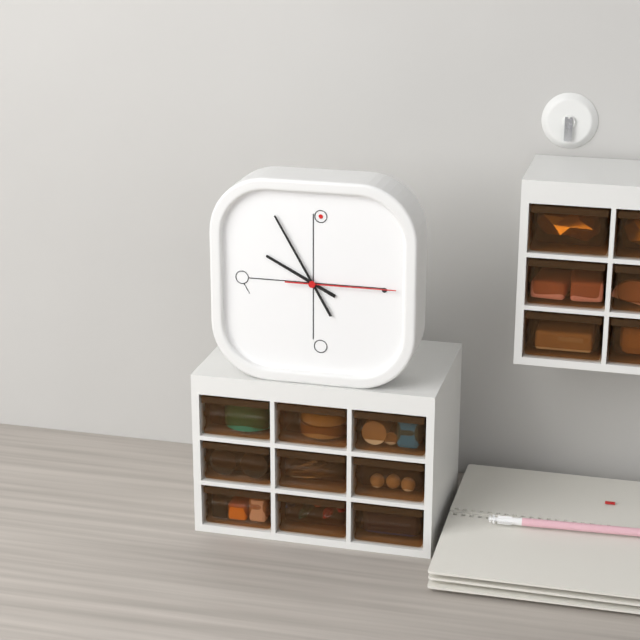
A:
9 h 55 min 15 s
